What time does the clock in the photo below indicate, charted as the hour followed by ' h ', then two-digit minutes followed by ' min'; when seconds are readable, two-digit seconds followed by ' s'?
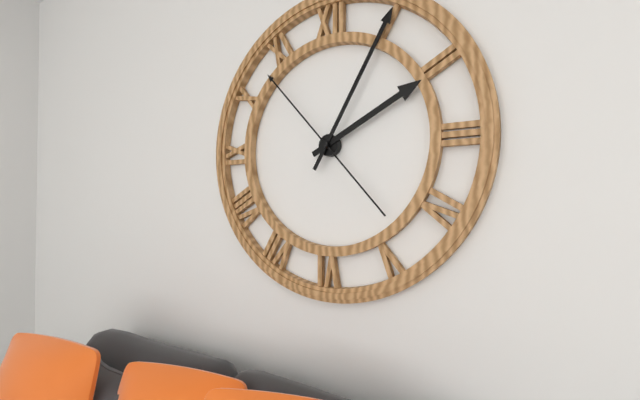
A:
2 h 05 min 53 s
